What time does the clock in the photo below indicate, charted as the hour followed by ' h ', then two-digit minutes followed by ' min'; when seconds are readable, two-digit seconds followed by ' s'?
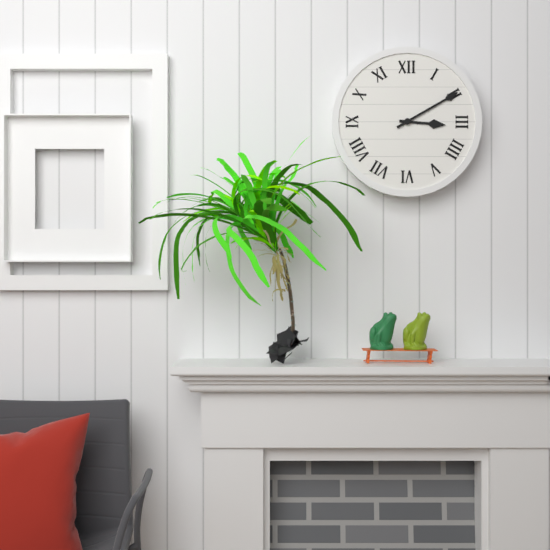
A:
3 h 10 min
